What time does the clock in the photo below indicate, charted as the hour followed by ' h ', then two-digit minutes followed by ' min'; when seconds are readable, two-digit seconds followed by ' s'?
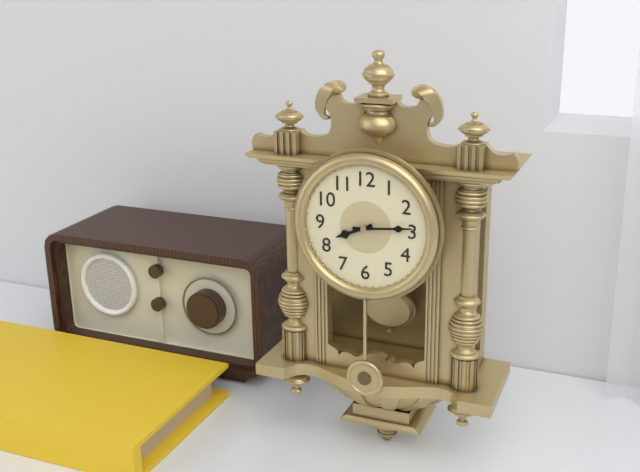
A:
8 h 14 min
